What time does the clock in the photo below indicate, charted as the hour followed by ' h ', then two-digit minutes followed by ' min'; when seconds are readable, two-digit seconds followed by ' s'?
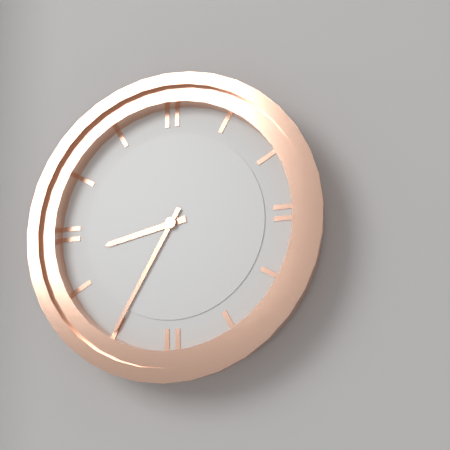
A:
8 h 35 min
